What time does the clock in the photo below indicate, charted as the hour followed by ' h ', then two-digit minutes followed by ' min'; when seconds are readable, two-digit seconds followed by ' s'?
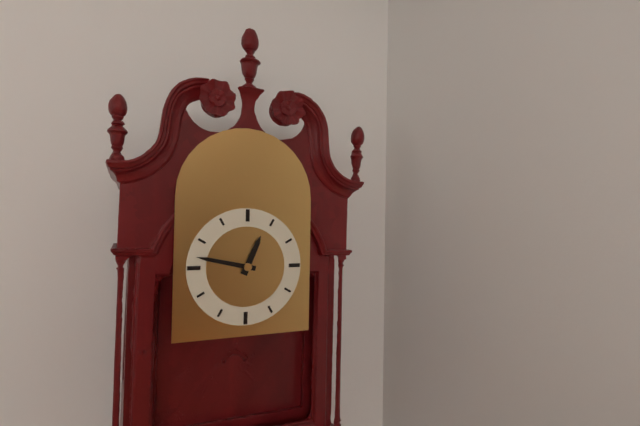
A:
12 h 47 min
